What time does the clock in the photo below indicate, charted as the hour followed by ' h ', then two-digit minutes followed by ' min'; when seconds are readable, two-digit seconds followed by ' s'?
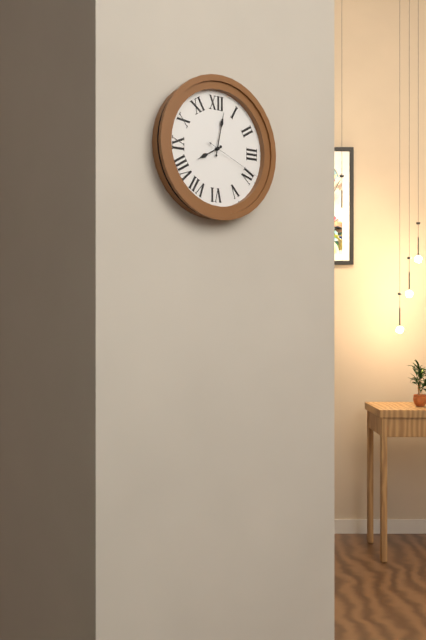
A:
8 h 02 min 19 s
